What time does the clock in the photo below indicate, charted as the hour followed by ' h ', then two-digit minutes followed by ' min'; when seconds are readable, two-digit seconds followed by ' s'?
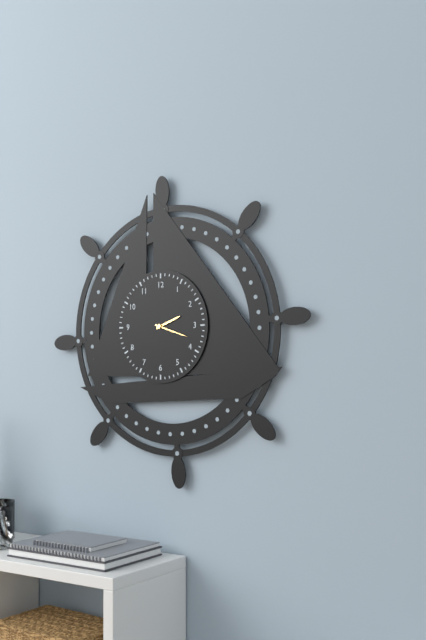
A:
2 h 18 min
